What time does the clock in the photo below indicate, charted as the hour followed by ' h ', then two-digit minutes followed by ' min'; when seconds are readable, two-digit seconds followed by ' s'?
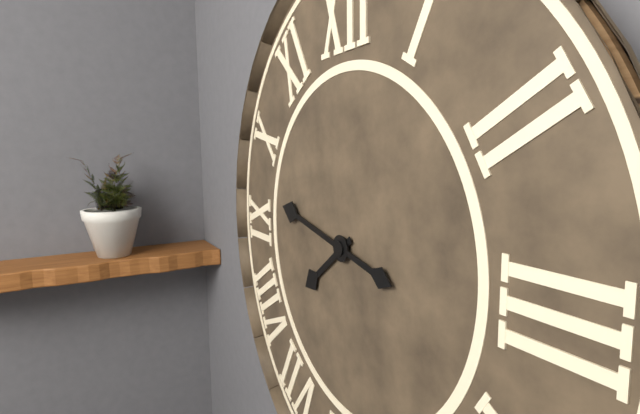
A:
7 h 47 min
